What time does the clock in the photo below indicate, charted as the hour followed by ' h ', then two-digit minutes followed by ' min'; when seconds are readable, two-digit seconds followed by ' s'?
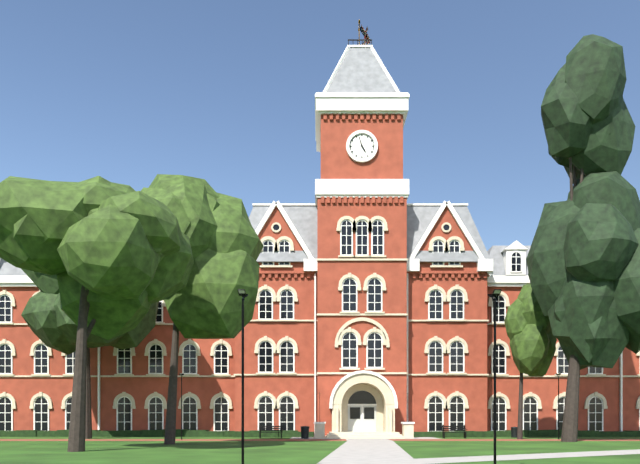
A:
4 h 57 min
